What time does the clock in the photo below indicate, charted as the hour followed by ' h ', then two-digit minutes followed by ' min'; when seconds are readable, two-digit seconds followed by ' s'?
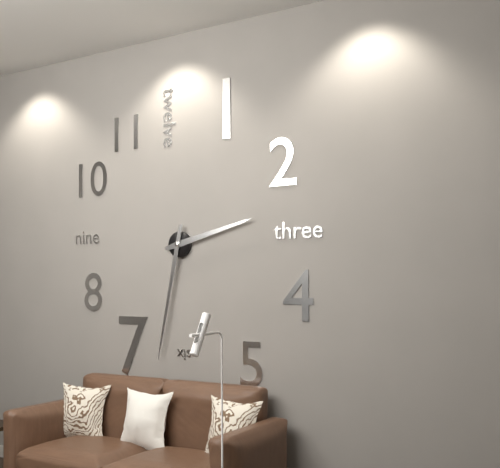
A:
2 h 32 min
